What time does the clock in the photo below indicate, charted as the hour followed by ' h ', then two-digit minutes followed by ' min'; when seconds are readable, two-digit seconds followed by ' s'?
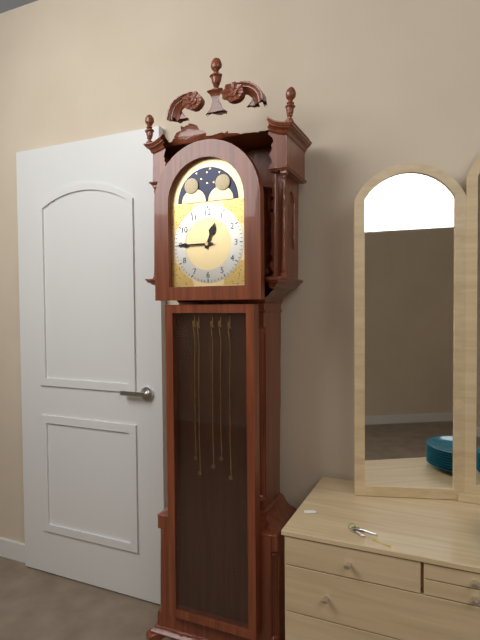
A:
12 h 45 min
